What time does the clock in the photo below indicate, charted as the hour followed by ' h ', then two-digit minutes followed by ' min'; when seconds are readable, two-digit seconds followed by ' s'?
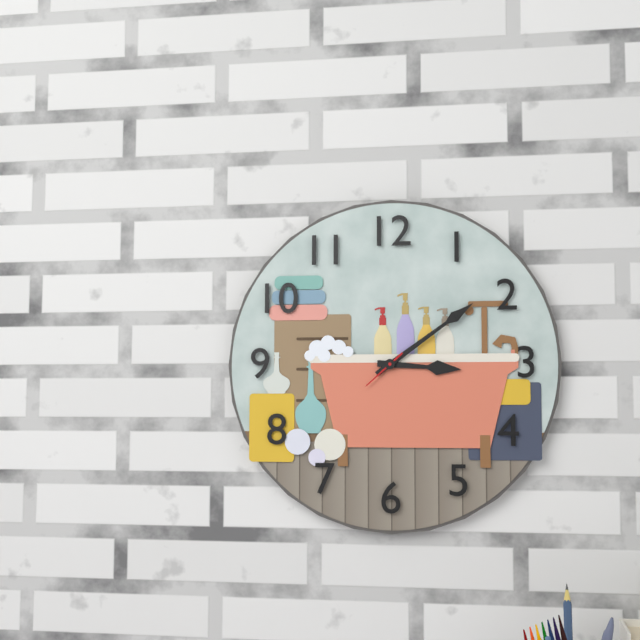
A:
3 h 09 min
